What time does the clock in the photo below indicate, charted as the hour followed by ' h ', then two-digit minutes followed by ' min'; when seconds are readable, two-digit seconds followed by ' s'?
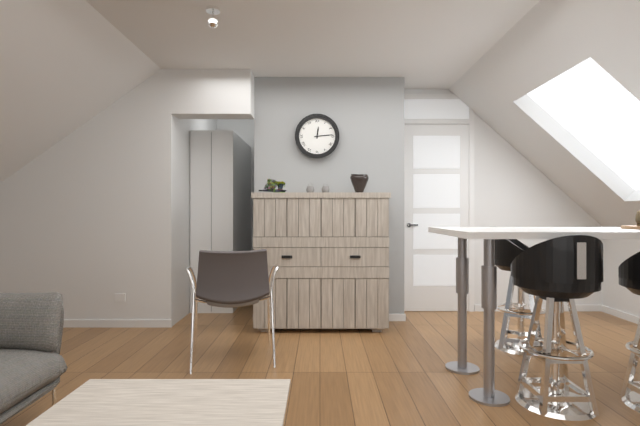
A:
12 h 14 min
